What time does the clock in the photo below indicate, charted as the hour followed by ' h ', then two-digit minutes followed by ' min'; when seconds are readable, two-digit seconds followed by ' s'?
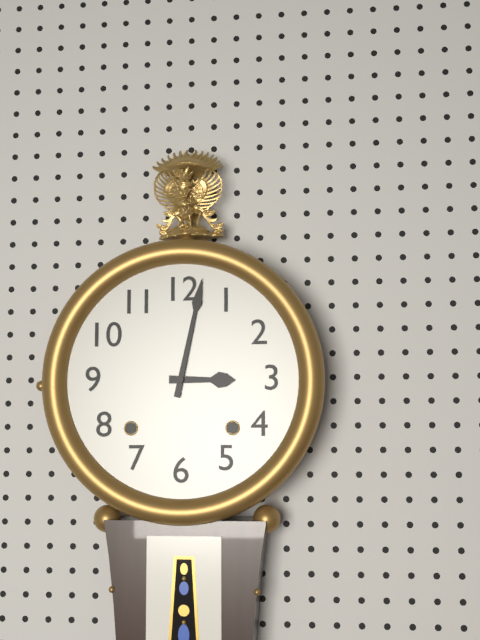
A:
3 h 02 min
